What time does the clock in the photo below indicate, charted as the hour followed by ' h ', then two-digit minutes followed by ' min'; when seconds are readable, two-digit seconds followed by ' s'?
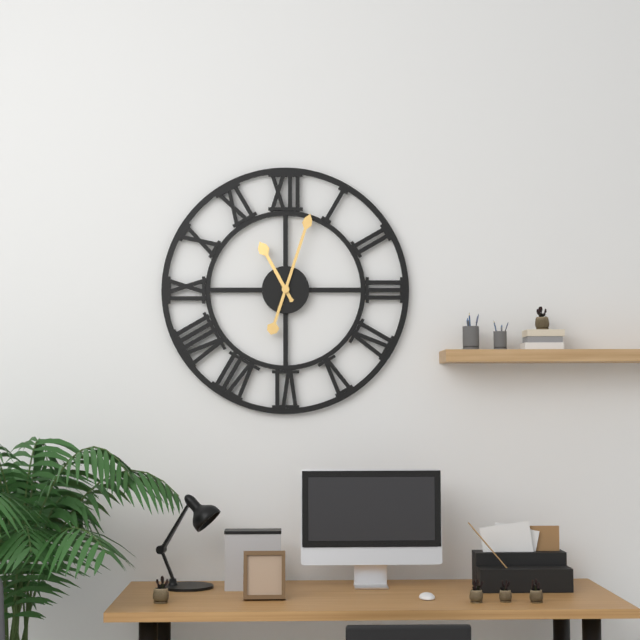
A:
11 h 03 min
